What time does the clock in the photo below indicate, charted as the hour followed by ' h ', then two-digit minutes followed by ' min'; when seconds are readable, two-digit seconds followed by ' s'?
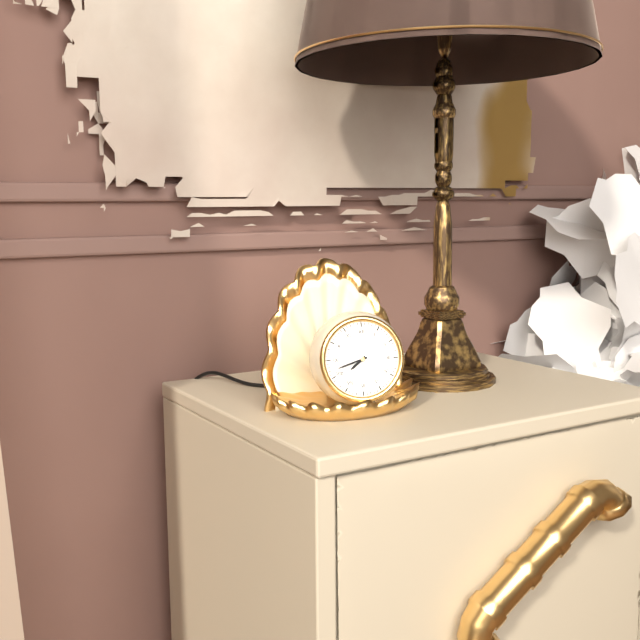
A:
7 h 42 min
